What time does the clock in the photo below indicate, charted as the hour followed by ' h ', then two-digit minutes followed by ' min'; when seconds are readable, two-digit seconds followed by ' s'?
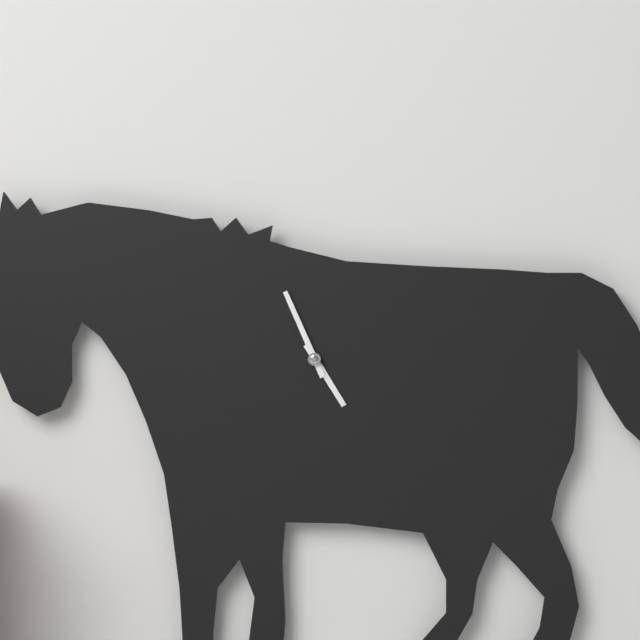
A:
4 h 56 min
